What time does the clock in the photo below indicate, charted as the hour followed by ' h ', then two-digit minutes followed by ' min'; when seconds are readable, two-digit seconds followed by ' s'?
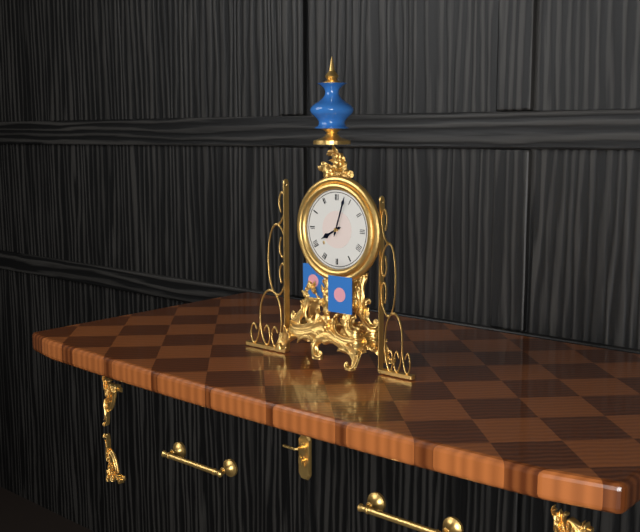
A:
8 h 03 min
